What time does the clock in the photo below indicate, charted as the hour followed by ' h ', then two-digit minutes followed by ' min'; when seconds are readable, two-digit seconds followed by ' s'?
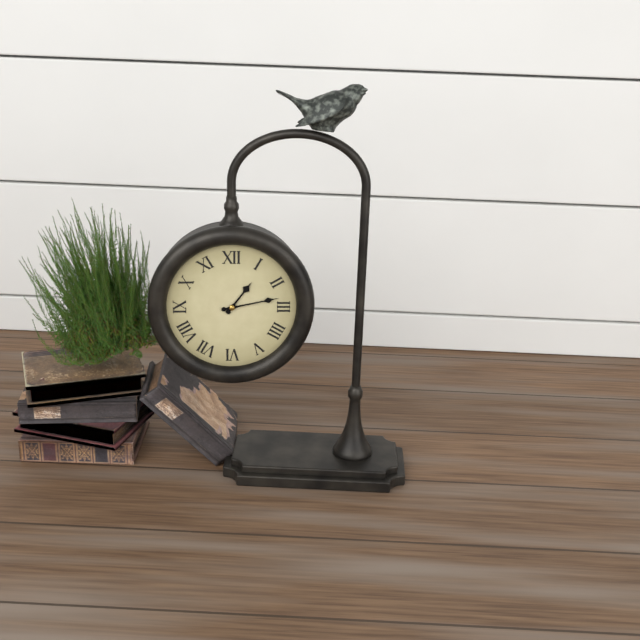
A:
1 h 13 min
